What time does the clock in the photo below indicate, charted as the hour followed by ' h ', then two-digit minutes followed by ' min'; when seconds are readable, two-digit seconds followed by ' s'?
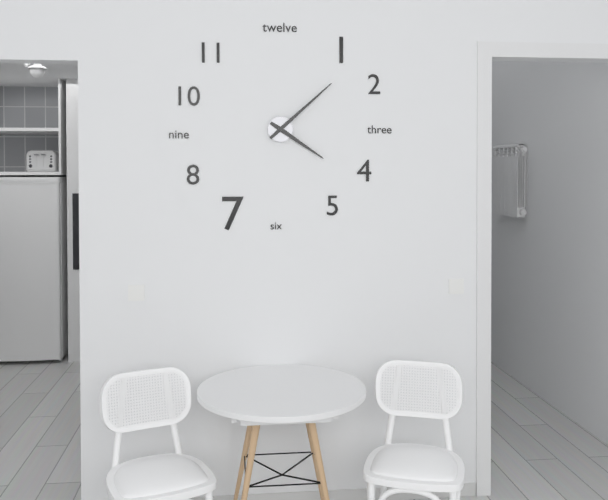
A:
4 h 08 min
